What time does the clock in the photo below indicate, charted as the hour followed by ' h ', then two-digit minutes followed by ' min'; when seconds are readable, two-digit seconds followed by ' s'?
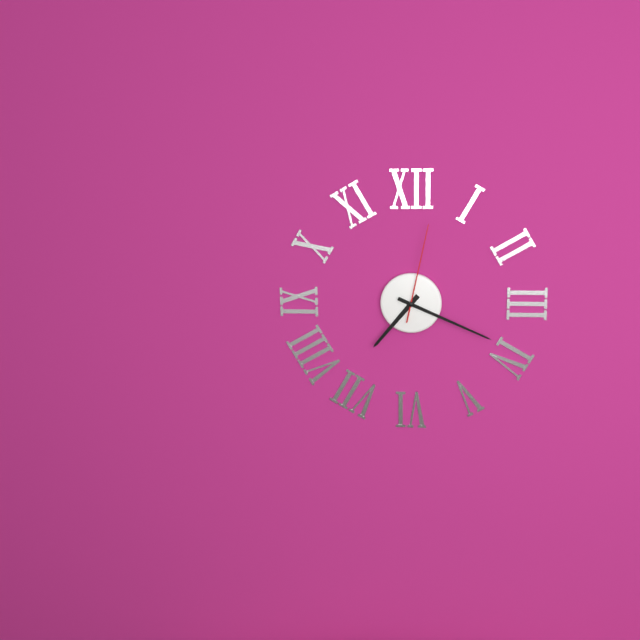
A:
7 h 19 min 02 s
